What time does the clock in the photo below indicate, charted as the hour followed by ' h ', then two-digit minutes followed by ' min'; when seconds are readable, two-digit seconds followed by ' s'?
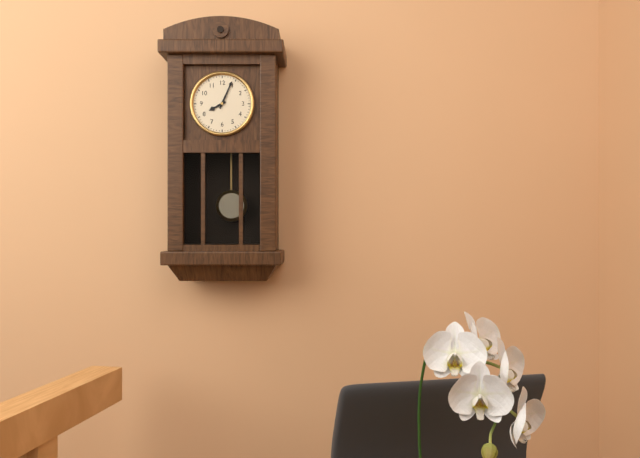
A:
8 h 04 min
